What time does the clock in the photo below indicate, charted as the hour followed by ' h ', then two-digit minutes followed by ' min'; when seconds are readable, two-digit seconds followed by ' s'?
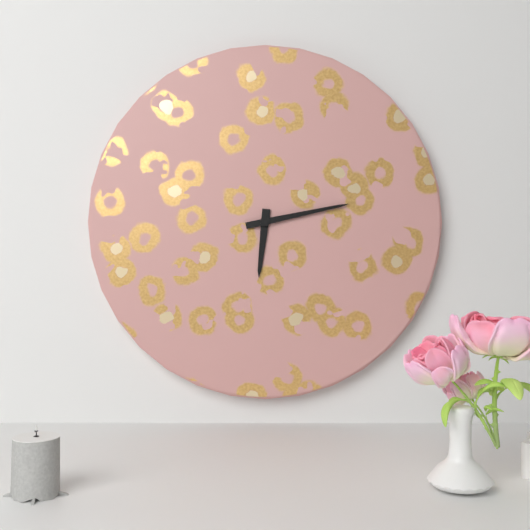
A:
6 h 13 min
